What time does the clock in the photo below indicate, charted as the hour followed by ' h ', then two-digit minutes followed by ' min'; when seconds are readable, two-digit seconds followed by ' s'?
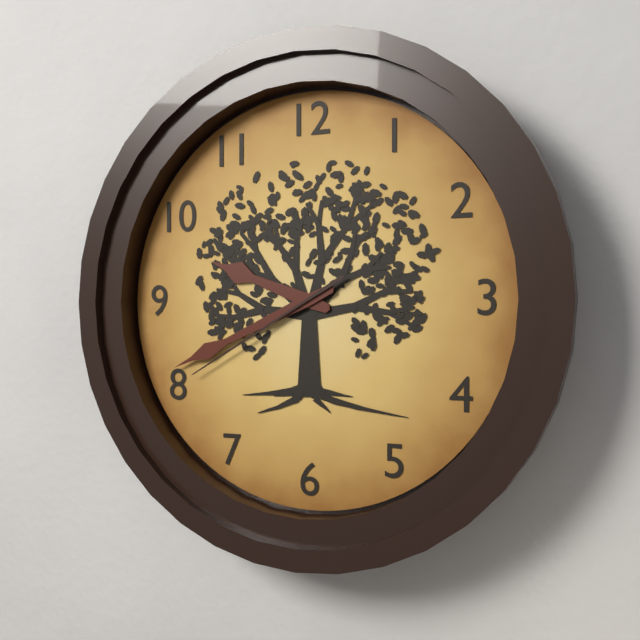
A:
9 h 41 min 40 s
